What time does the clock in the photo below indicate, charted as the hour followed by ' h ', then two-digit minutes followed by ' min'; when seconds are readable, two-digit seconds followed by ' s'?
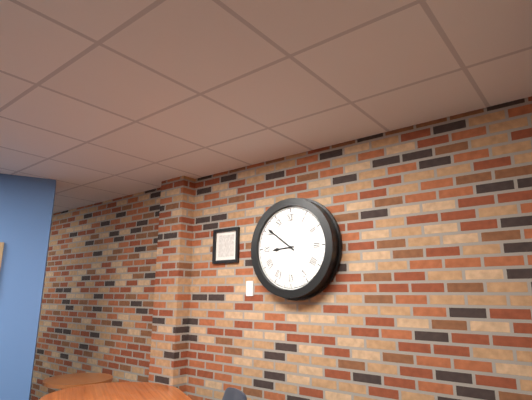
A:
8 h 51 min
